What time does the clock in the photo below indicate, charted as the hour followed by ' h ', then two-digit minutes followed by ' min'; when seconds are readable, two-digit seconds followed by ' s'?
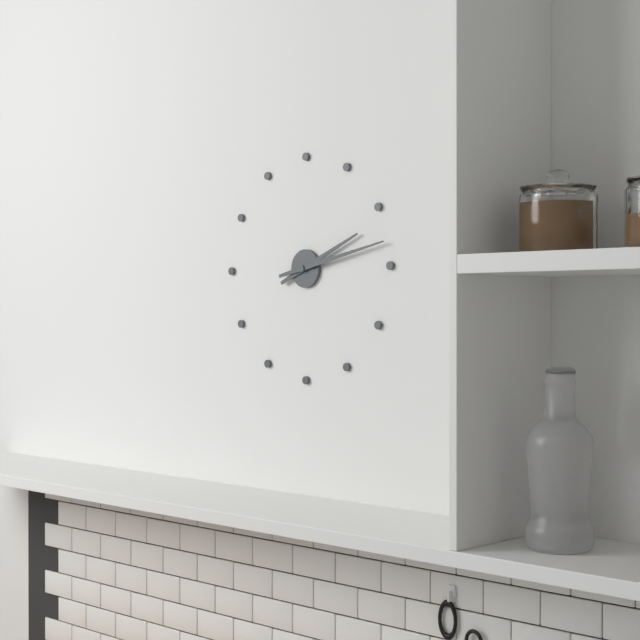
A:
2 h 13 min
